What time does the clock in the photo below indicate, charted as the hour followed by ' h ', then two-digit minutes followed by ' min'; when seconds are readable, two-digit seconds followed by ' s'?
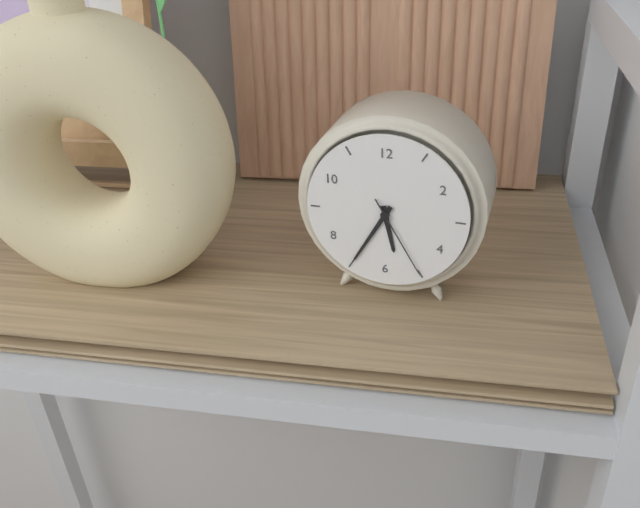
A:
5 h 35 min 25 s
